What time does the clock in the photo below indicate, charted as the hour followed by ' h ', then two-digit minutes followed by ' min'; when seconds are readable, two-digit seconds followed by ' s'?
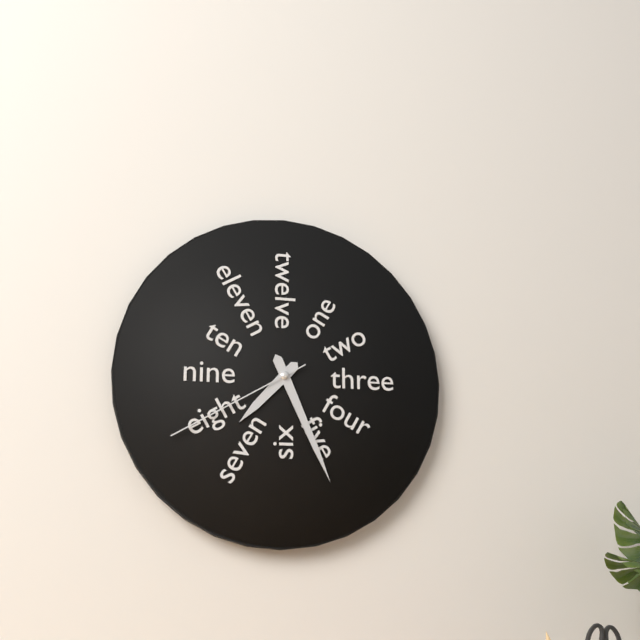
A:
7 h 26 min 40 s
